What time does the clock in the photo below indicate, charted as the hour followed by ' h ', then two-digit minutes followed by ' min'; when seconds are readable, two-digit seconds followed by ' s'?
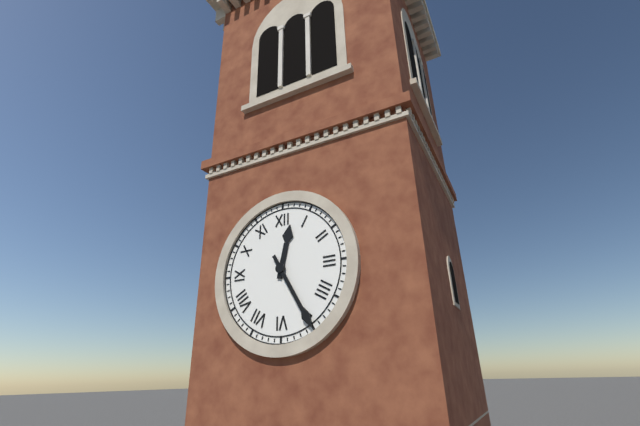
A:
12 h 25 min
